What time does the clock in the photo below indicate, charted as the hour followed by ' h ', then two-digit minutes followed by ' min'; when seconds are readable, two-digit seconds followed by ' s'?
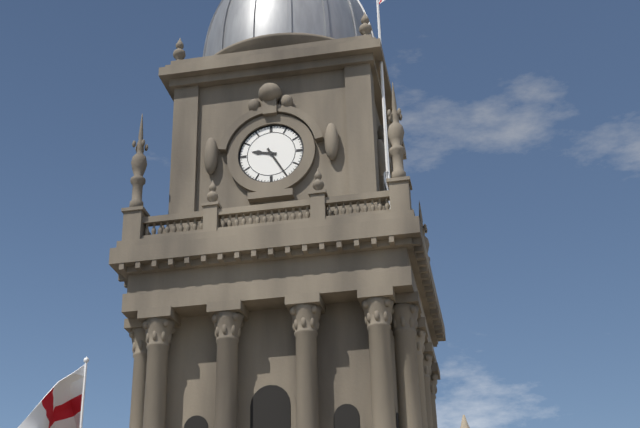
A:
9 h 25 min
